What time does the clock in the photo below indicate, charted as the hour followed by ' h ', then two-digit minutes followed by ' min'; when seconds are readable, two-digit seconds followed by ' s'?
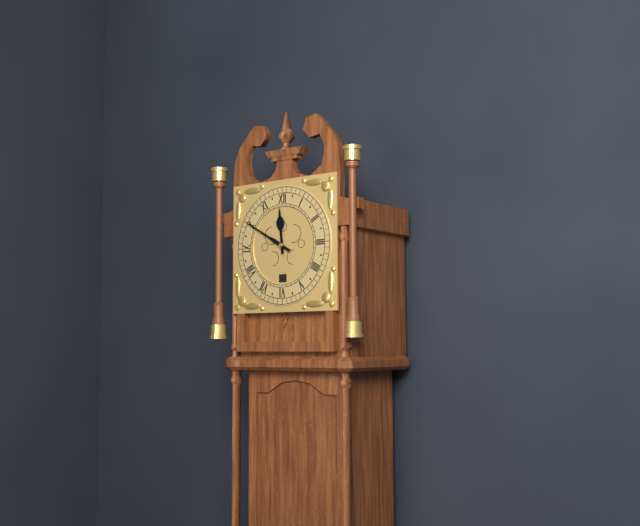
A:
11 h 50 min
